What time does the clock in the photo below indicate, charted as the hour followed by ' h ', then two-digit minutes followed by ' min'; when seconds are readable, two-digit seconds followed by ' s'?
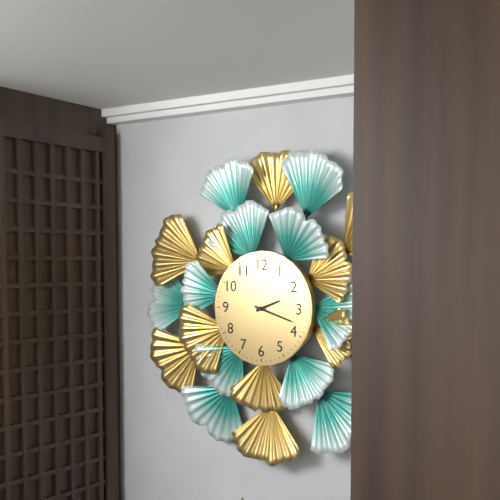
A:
2 h 18 min
